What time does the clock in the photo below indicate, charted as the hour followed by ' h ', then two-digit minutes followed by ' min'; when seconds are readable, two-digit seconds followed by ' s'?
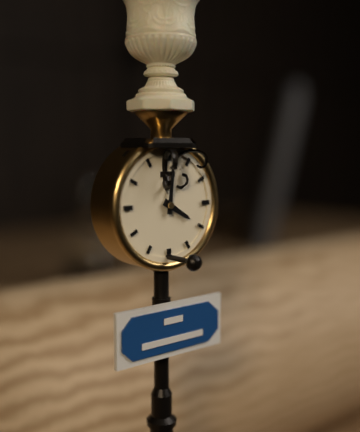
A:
4 h 01 min
